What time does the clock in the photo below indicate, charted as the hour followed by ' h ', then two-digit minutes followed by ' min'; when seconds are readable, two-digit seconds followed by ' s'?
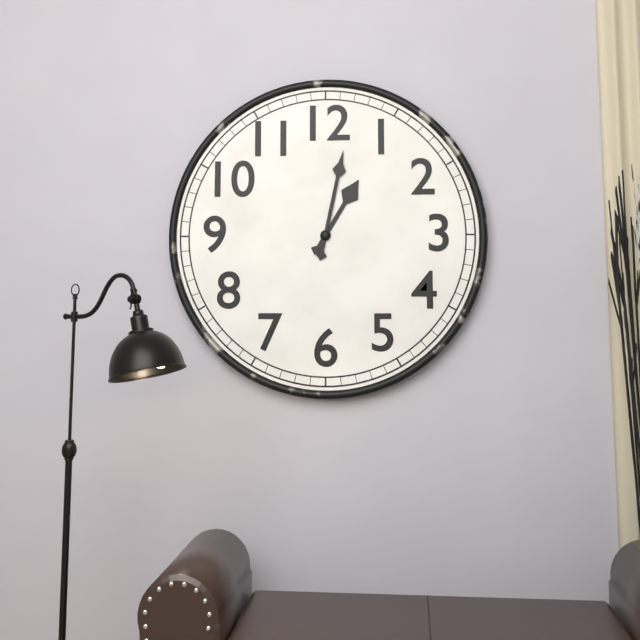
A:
1 h 02 min
